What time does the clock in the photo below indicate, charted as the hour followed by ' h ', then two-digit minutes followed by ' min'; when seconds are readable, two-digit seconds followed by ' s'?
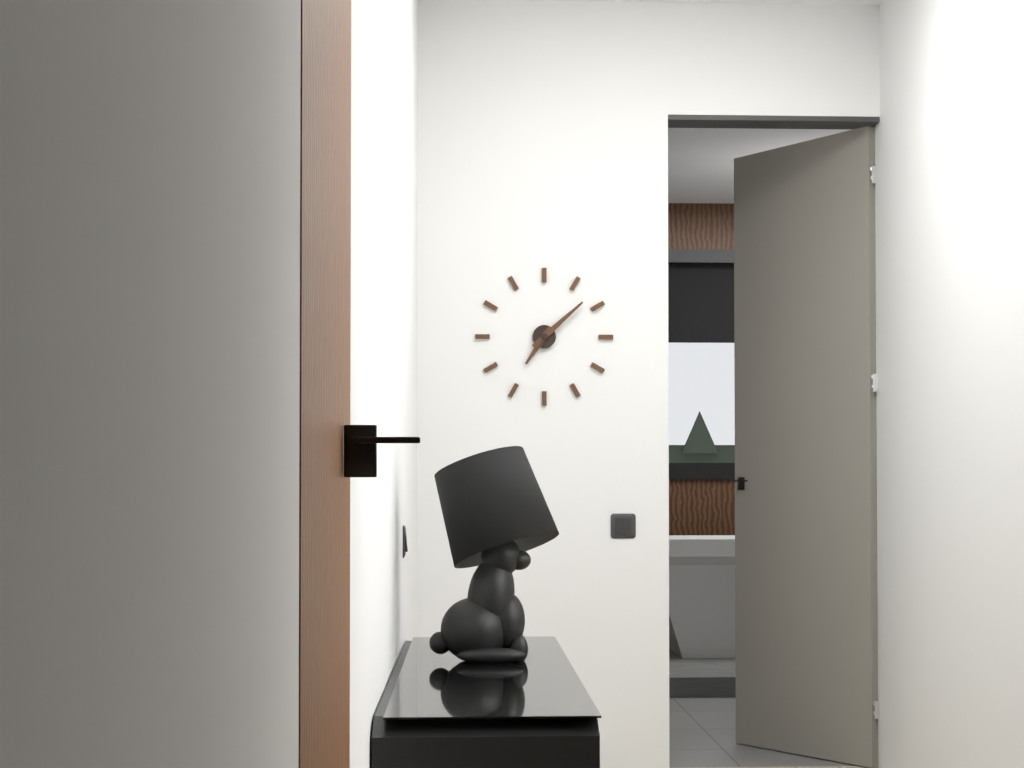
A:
7 h 08 min
